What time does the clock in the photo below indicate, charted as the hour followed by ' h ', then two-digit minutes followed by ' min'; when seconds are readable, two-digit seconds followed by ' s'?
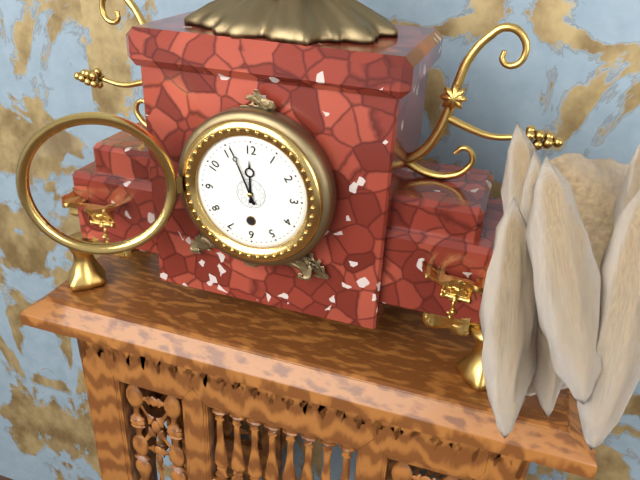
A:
11 h 56 min
